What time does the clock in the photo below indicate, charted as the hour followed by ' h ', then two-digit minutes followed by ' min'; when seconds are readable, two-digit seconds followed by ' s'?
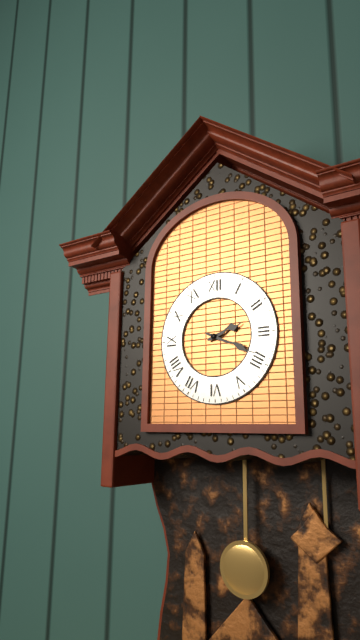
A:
2 h 19 min
